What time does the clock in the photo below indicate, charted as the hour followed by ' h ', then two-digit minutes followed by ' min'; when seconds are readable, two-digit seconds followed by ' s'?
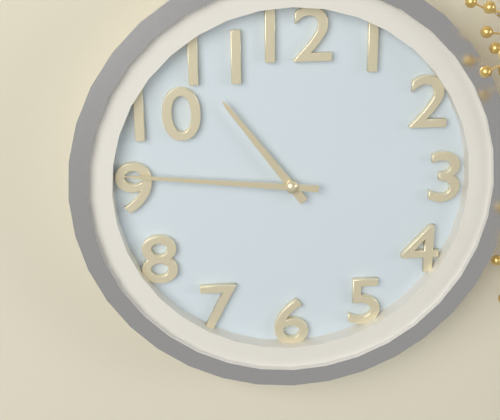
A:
10 h 46 min
